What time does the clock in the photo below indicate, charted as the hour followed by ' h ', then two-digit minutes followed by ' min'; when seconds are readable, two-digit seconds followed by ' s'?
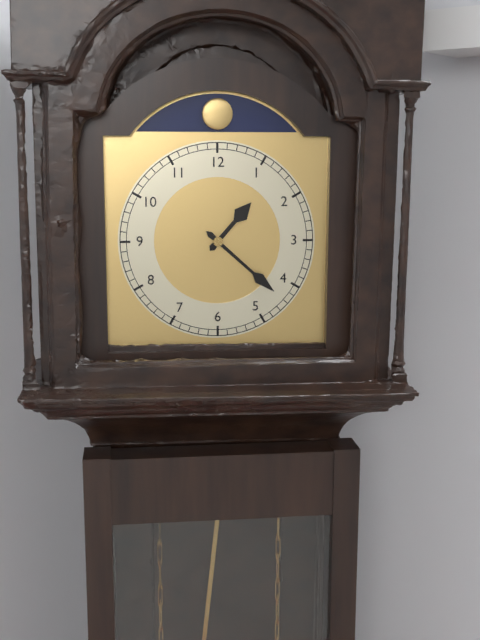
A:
1 h 22 min
